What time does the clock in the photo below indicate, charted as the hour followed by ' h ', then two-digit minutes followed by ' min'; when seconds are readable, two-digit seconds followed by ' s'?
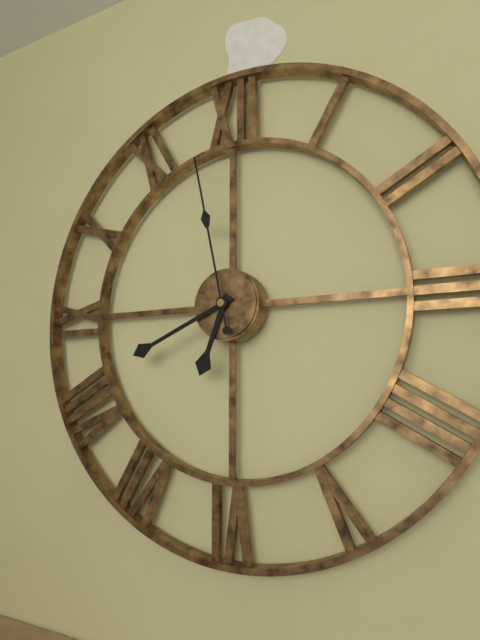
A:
6 h 41 min 58 s
